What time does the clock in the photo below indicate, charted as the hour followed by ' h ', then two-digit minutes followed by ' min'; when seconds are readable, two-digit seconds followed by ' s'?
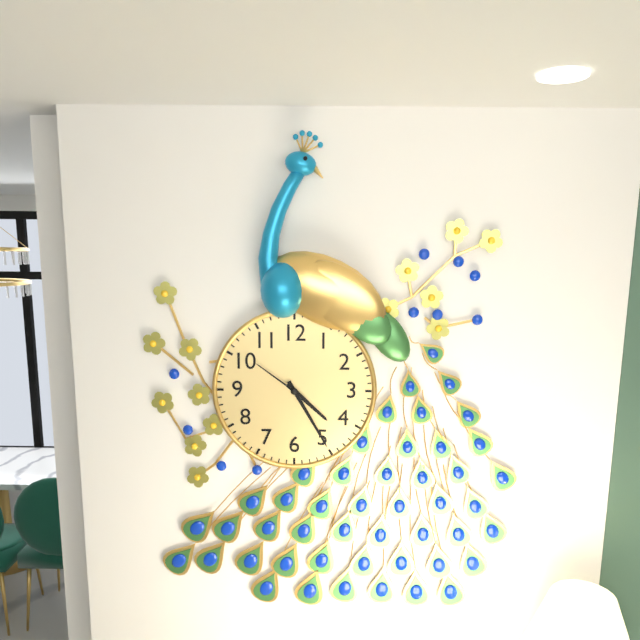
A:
4 h 25 min 51 s
